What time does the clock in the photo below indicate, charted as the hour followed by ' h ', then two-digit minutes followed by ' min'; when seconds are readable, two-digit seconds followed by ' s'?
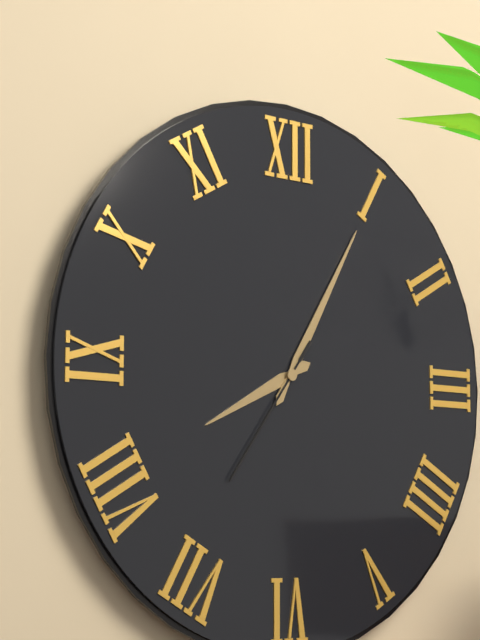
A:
8 h 05 min 36 s
